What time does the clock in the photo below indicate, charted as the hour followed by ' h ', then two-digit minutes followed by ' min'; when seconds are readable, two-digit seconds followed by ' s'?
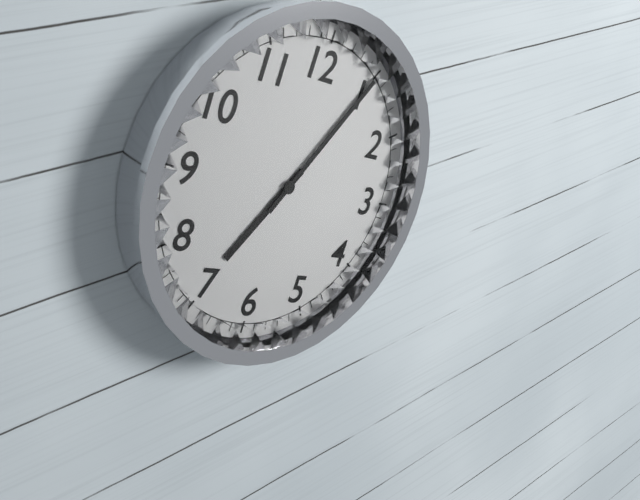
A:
7 h 05 min
